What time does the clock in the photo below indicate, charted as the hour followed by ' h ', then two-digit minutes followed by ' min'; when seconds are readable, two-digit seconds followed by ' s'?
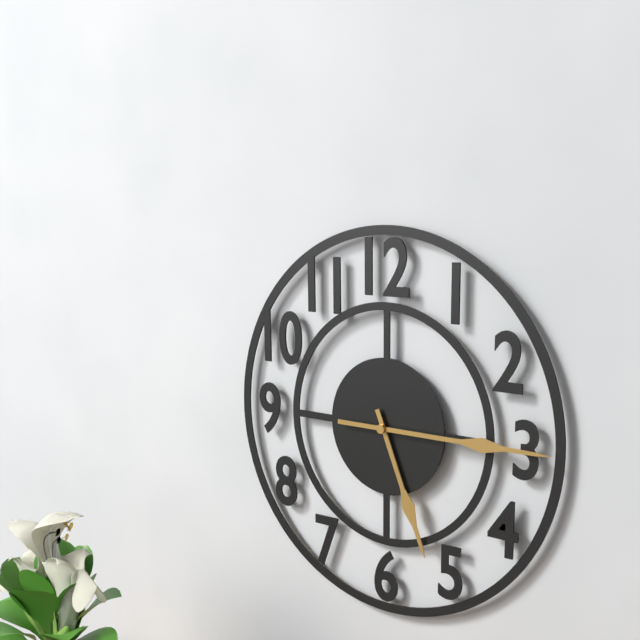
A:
5 h 15 min
